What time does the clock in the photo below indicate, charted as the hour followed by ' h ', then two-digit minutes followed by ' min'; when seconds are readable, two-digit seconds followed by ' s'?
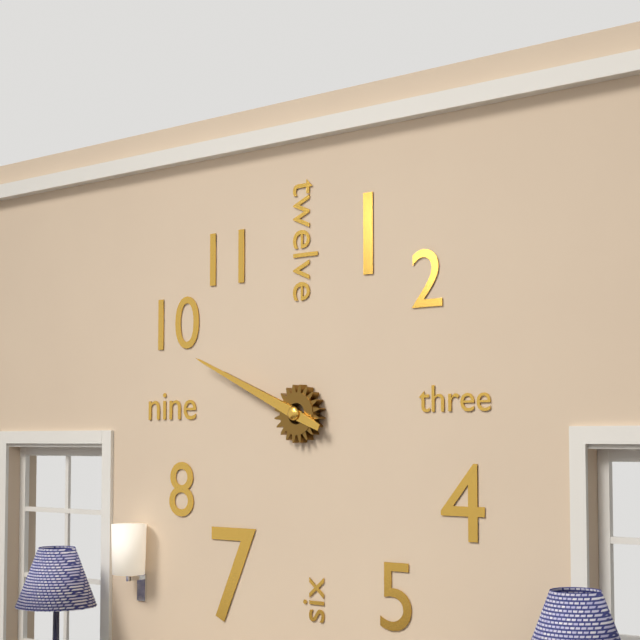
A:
9 h 49 min
